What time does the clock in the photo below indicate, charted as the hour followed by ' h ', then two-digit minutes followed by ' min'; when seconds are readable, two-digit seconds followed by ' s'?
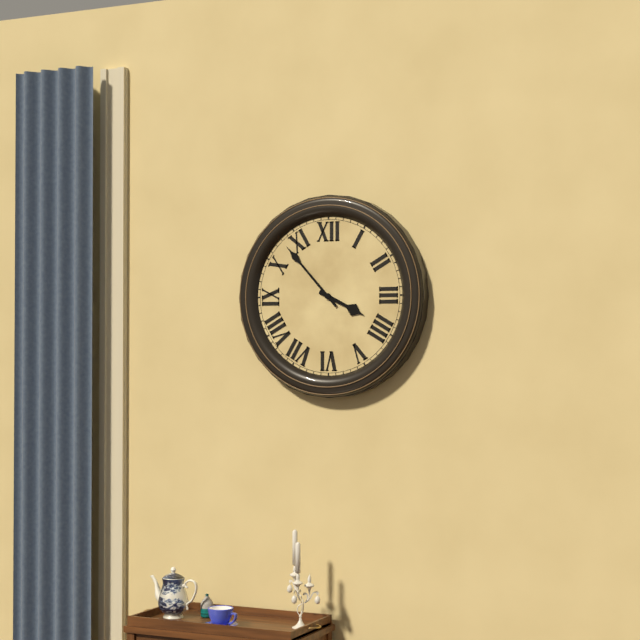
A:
3 h 53 min
